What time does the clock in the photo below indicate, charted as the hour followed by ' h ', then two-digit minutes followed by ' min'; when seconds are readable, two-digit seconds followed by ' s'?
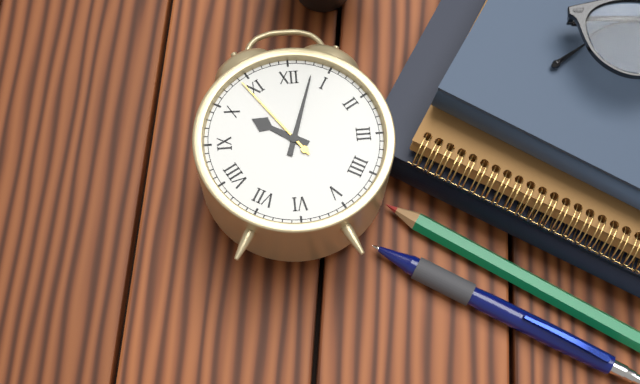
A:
10 h 03 min 54 s
